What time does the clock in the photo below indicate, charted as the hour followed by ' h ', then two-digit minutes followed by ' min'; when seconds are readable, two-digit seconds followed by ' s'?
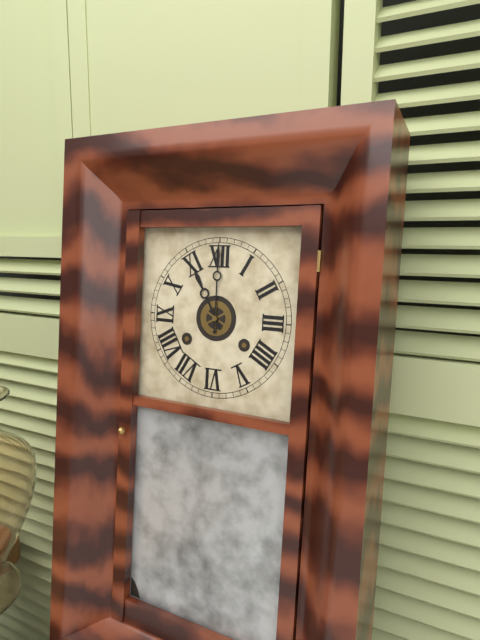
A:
11 h 00 min
